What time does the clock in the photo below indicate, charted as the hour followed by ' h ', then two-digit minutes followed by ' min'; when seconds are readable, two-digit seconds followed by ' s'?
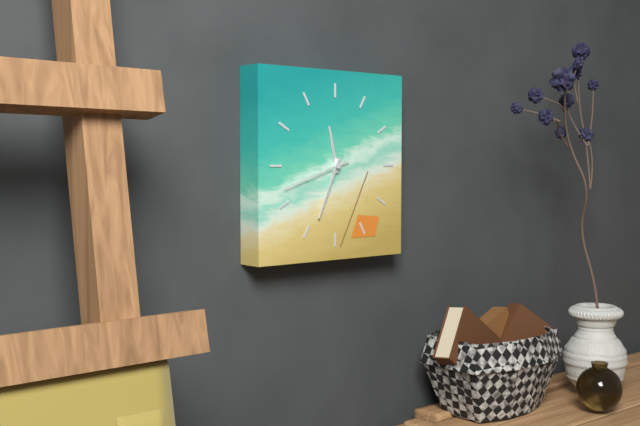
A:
11 h 34 min
